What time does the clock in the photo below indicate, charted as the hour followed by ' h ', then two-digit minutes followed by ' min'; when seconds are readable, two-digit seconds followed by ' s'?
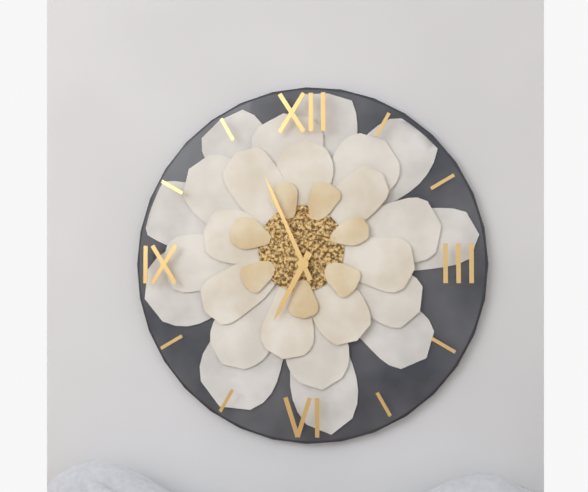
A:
6 h 56 min
